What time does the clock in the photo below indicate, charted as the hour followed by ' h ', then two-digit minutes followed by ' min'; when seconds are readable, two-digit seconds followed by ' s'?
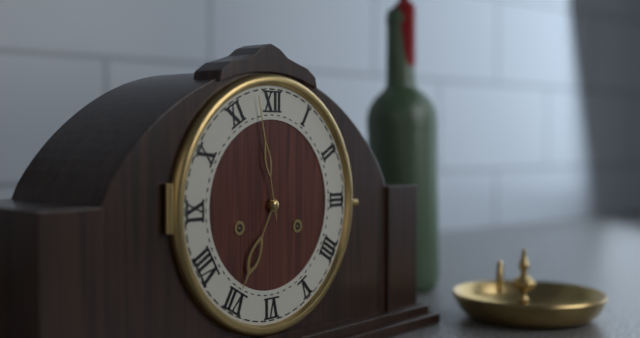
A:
6 h 58 min
